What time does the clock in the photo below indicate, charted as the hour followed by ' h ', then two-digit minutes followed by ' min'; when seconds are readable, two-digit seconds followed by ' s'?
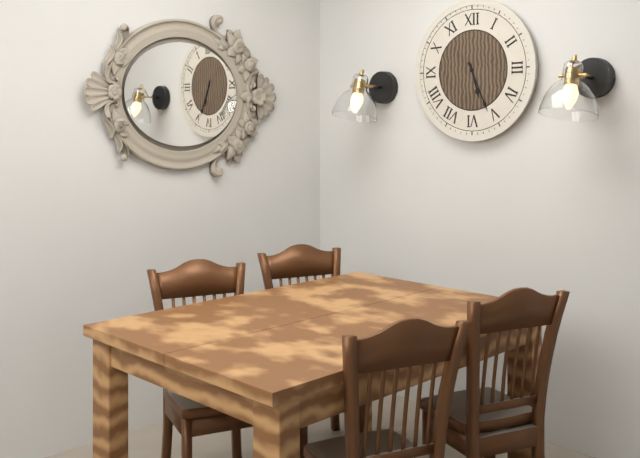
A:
5 h 26 min
